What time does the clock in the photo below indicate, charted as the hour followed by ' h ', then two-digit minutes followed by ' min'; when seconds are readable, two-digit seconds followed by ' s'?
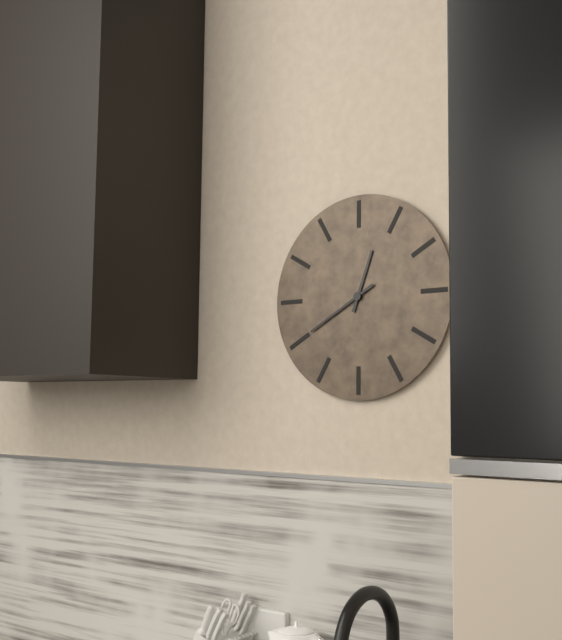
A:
12 h 40 min
